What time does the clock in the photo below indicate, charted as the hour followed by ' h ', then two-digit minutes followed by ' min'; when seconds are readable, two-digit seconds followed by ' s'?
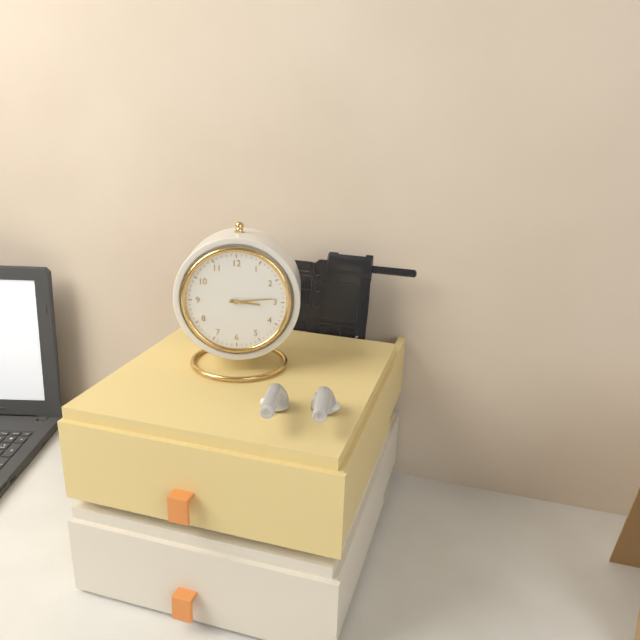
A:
3 h 14 min
